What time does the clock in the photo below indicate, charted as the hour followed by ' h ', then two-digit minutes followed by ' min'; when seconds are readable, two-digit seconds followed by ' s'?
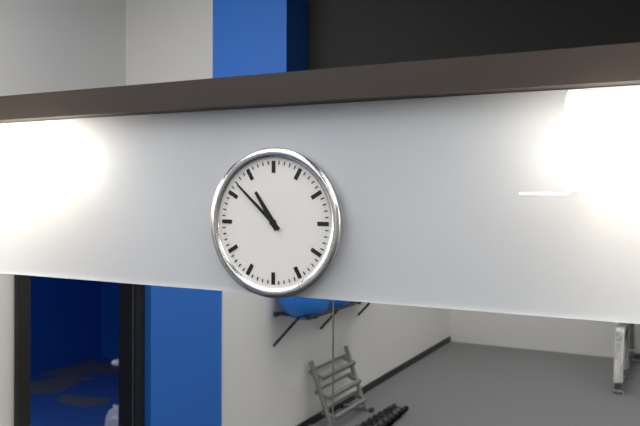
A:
10 h 52 min
